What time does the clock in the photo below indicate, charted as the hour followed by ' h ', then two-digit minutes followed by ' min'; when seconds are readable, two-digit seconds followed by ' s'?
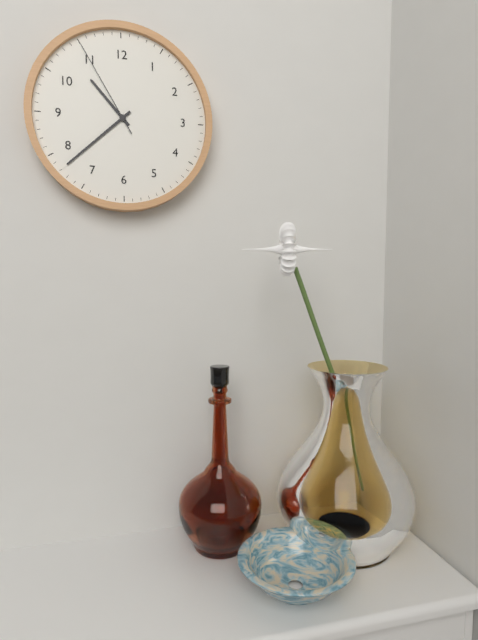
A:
10 h 38 min 55 s
